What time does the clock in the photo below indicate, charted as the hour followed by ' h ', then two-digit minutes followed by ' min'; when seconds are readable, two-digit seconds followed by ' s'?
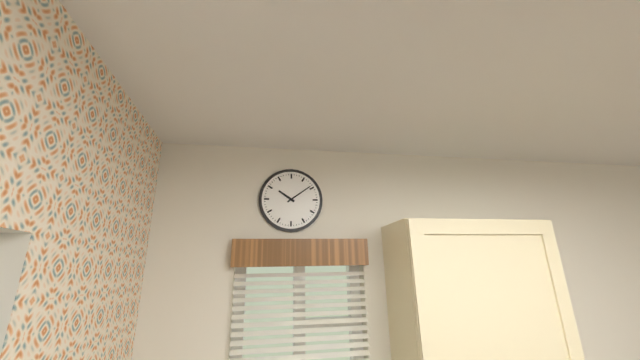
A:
10 h 09 min
